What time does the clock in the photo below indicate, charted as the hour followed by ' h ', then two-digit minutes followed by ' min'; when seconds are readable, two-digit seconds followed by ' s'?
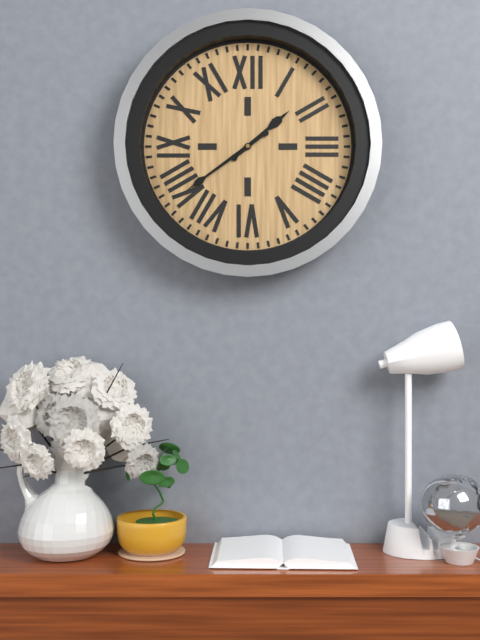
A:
1 h 39 min
